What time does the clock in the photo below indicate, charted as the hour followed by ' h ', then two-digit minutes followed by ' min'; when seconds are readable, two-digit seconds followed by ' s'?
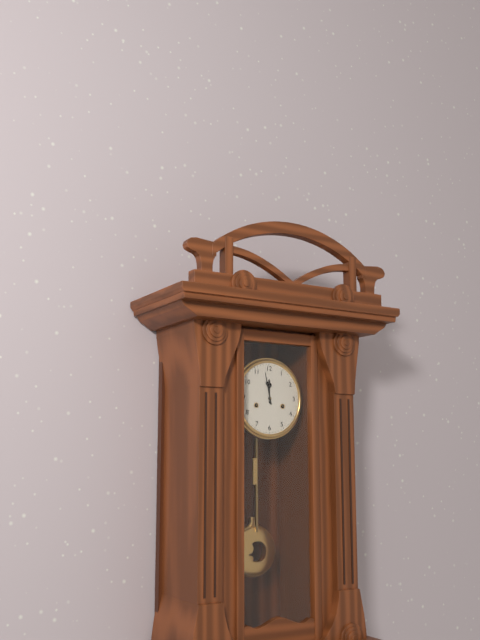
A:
11 h 58 min
